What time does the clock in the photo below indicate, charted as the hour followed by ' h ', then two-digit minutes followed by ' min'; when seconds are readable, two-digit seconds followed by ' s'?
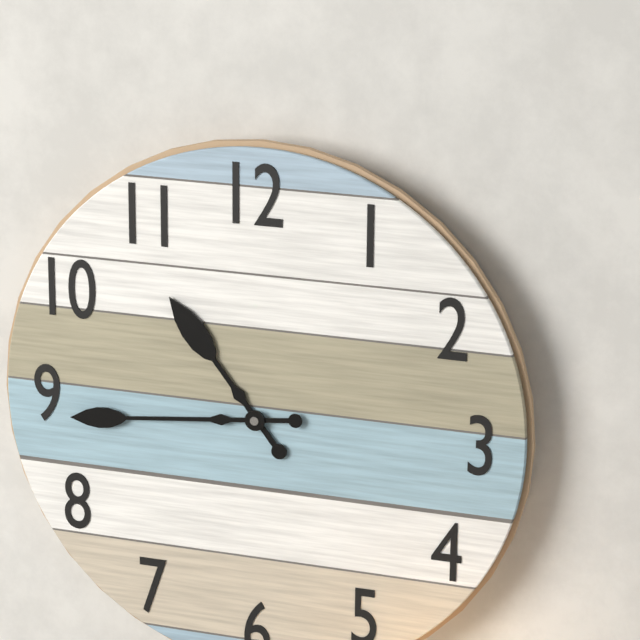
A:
10 h 44 min
